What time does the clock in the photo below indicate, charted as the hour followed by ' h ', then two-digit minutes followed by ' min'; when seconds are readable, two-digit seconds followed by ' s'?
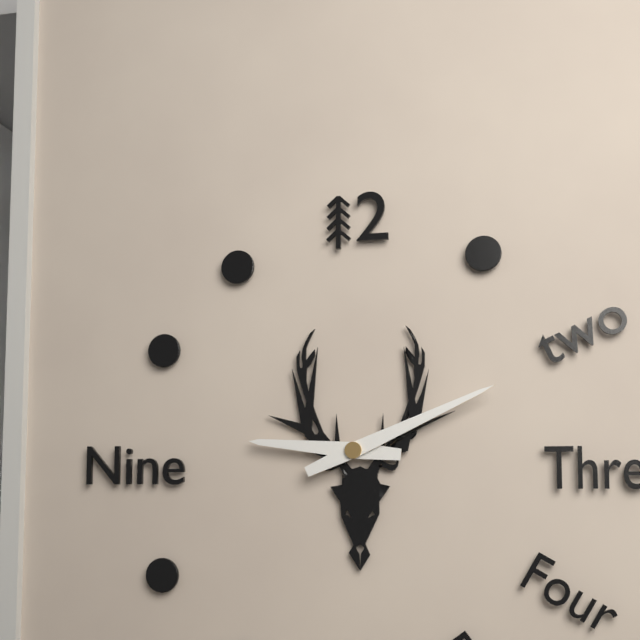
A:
9 h 11 min
